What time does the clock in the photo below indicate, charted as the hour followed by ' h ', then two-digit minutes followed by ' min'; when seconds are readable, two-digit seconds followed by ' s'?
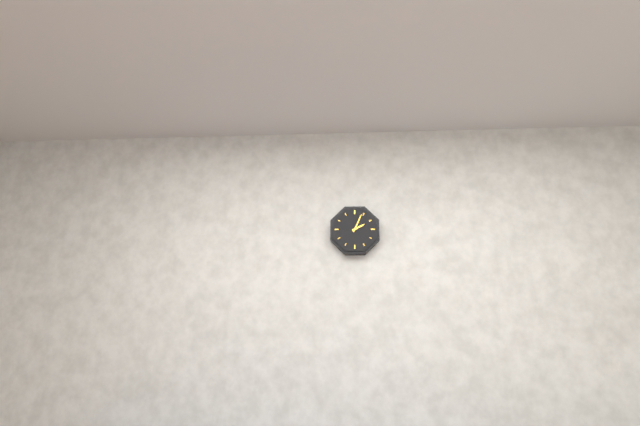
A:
2 h 04 min
